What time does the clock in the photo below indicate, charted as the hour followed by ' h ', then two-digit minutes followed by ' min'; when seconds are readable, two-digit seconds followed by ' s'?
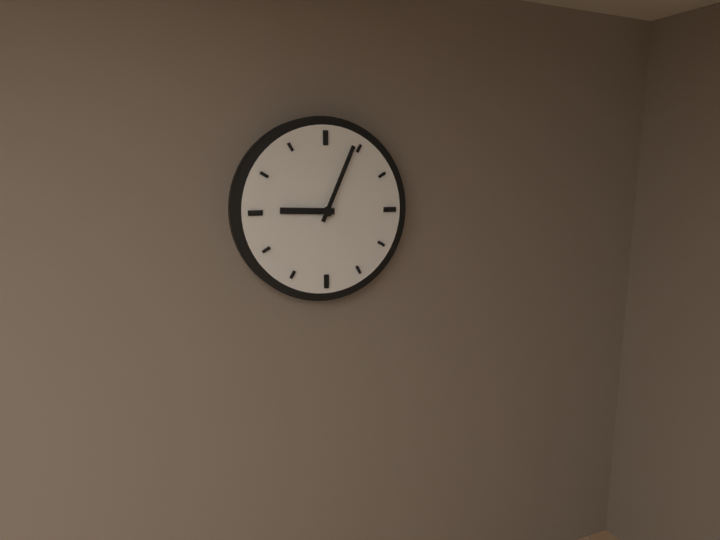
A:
9 h 04 min
